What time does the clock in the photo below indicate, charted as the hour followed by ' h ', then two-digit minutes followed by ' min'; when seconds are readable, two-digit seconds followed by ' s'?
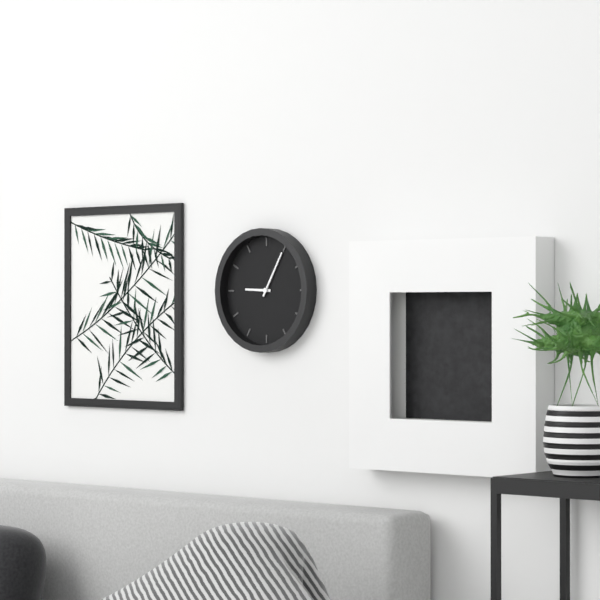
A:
9 h 05 min
